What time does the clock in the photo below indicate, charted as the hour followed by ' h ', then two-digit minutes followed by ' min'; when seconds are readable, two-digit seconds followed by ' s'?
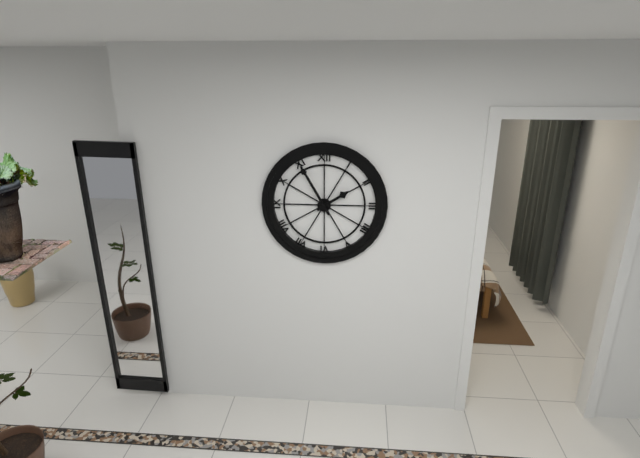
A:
1 h 55 min
